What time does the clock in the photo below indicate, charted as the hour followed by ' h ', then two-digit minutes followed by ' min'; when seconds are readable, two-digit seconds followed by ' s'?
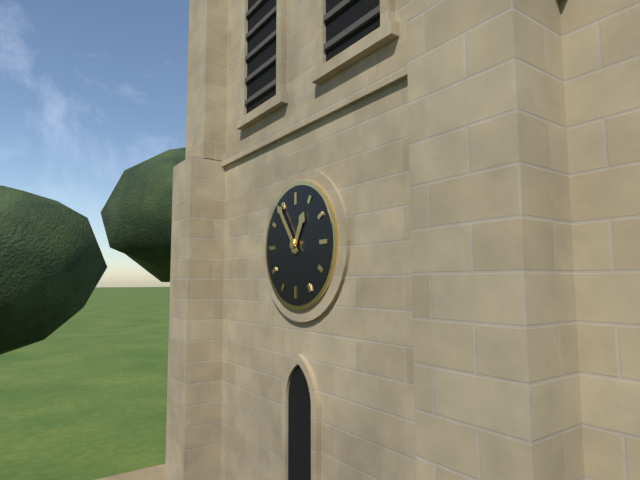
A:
12 h 54 min
